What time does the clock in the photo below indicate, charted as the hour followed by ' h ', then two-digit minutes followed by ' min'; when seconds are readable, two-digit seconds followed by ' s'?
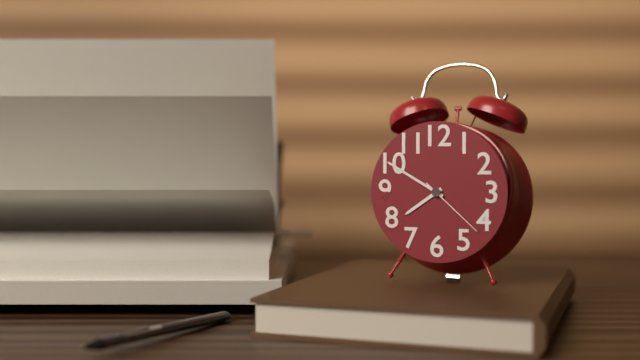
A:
7 h 50 min 22 s
